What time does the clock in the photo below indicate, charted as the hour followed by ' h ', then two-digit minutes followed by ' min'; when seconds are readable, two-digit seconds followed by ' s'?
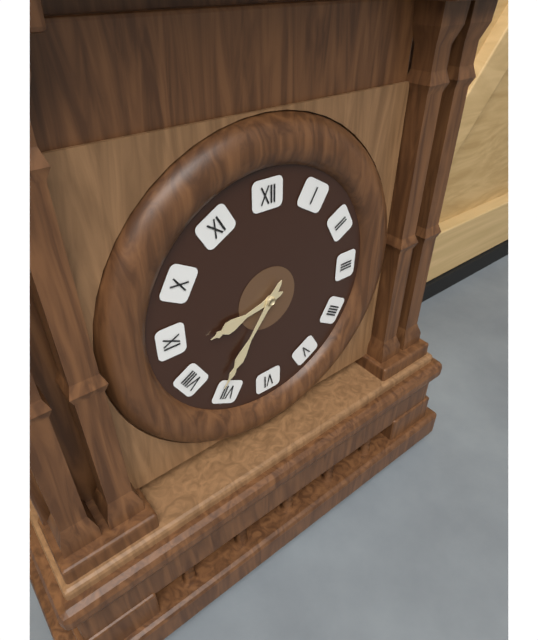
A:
8 h 36 min
